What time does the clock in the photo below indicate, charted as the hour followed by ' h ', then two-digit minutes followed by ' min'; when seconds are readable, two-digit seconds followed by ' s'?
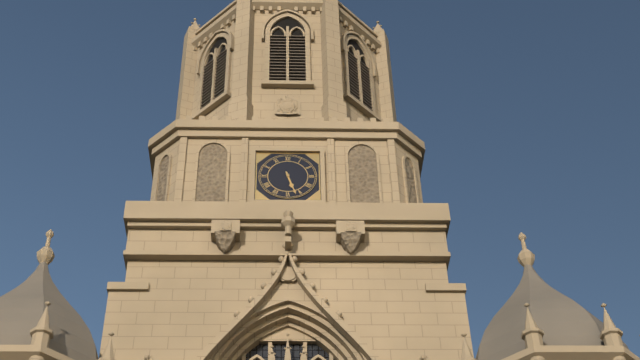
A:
5 h 27 min
